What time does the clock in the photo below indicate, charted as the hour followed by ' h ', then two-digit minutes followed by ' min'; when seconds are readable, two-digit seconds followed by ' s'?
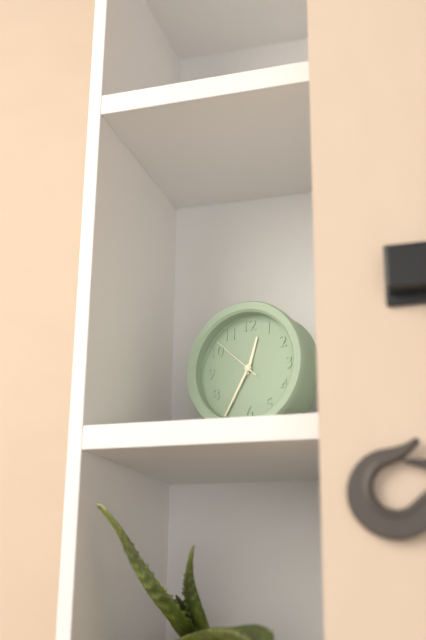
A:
12 h 35 min
